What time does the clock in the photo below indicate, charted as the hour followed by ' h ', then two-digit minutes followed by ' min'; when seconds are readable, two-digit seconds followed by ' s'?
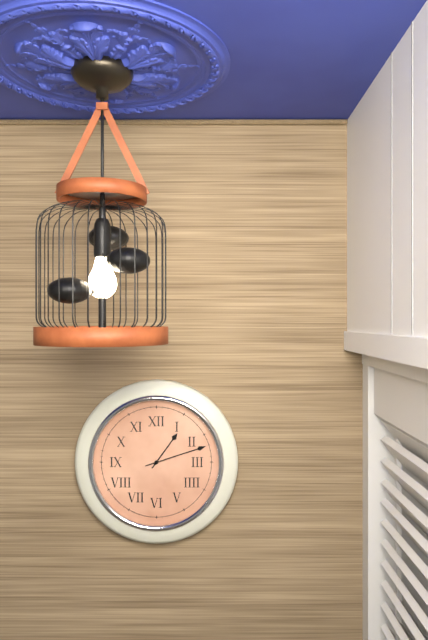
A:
1 h 12 min
